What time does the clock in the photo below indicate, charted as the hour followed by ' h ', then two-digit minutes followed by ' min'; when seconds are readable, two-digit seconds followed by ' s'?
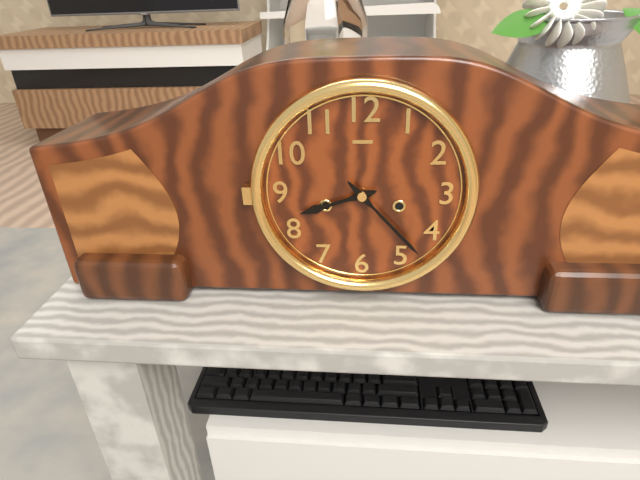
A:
8 h 23 min
